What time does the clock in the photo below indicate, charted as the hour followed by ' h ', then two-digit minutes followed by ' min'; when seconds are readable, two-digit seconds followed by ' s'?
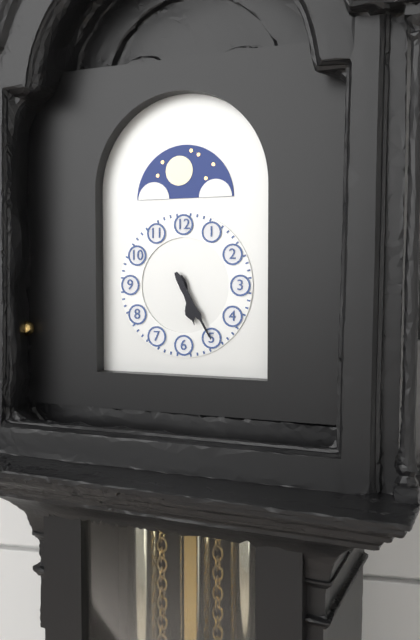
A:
5 h 25 min
